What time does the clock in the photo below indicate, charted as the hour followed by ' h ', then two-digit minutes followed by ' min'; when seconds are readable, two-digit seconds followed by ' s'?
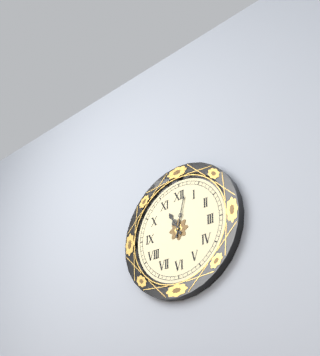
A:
11 h 02 min
